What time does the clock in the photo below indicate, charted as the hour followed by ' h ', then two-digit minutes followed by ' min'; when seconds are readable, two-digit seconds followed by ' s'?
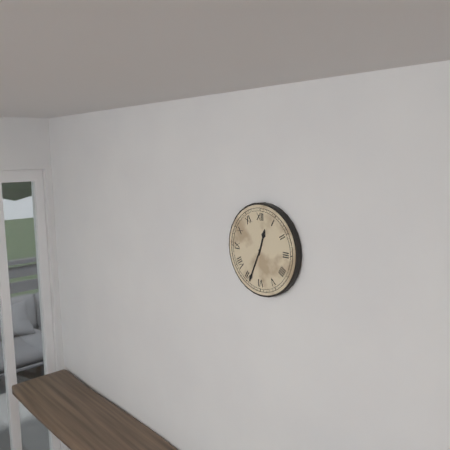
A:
12 h 34 min
